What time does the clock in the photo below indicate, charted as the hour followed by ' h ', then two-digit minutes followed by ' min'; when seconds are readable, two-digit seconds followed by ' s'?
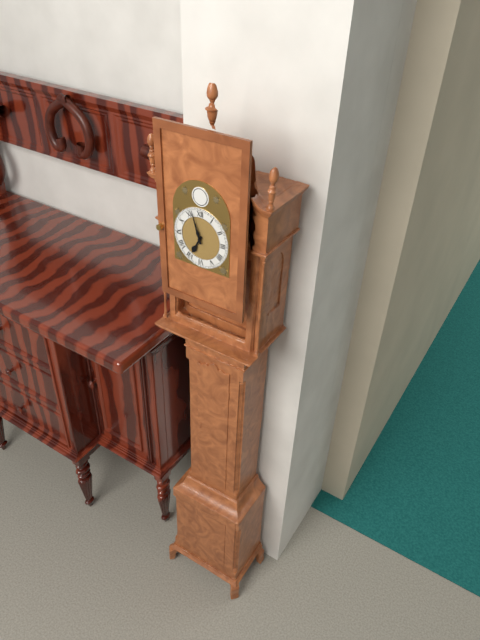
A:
6 h 57 min
